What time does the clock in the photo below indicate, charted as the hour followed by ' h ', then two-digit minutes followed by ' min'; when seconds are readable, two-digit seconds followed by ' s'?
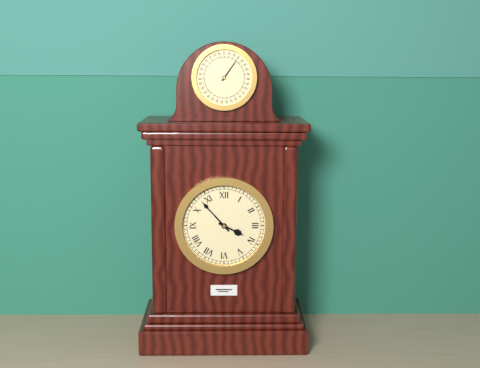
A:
3 h 53 min
